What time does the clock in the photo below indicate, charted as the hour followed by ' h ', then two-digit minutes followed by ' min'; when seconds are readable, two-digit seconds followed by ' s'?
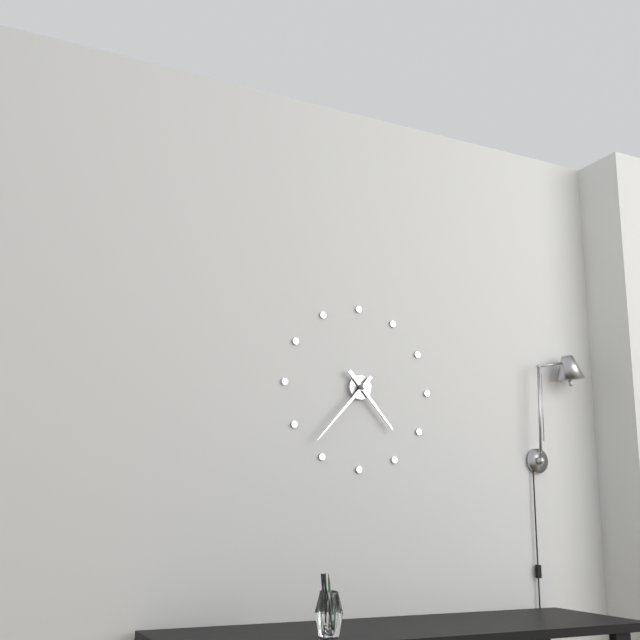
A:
4 h 37 min
